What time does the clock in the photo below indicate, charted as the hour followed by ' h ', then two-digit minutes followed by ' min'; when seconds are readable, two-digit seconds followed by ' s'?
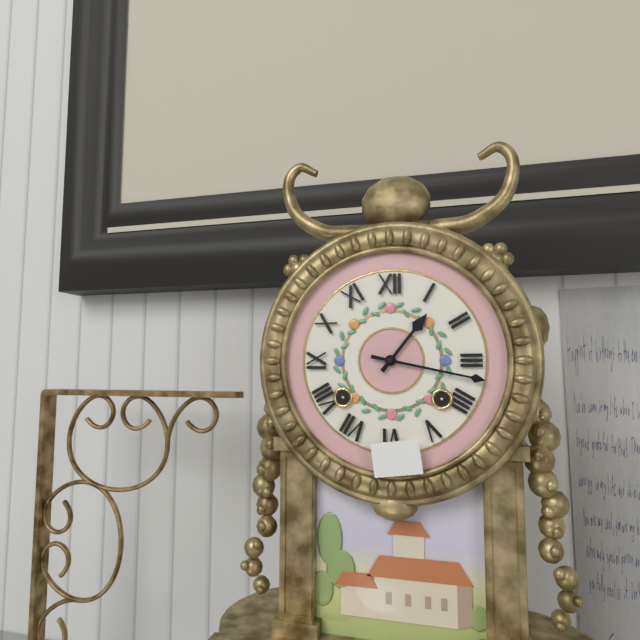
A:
1 h 17 min
